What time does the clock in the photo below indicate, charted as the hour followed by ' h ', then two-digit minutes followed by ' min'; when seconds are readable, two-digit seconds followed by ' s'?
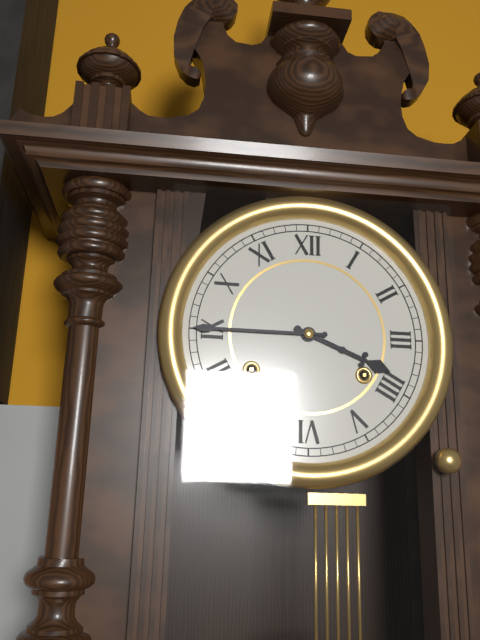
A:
3 h 45 min
